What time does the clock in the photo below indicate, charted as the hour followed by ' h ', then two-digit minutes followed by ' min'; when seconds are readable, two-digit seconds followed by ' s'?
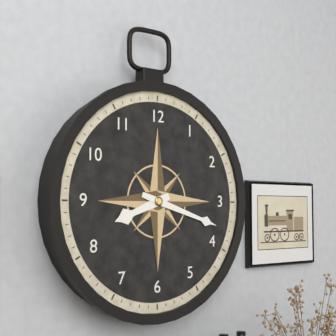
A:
8 h 18 min
